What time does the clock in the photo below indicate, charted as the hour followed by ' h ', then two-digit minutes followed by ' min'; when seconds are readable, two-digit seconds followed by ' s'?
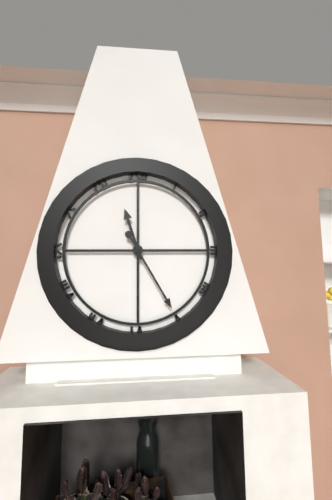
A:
11 h 25 min
